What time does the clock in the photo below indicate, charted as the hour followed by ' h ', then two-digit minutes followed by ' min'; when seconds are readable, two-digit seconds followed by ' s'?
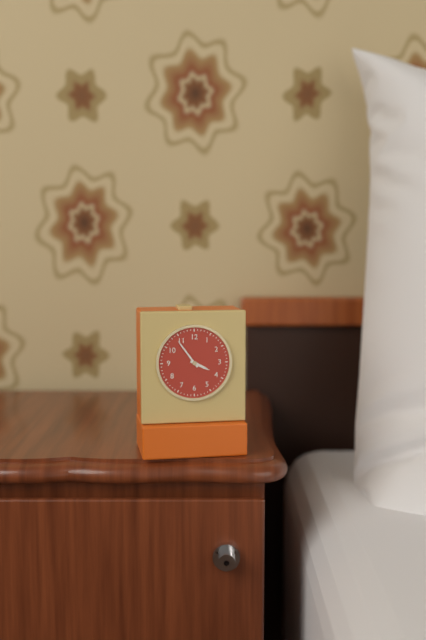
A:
3 h 54 min
